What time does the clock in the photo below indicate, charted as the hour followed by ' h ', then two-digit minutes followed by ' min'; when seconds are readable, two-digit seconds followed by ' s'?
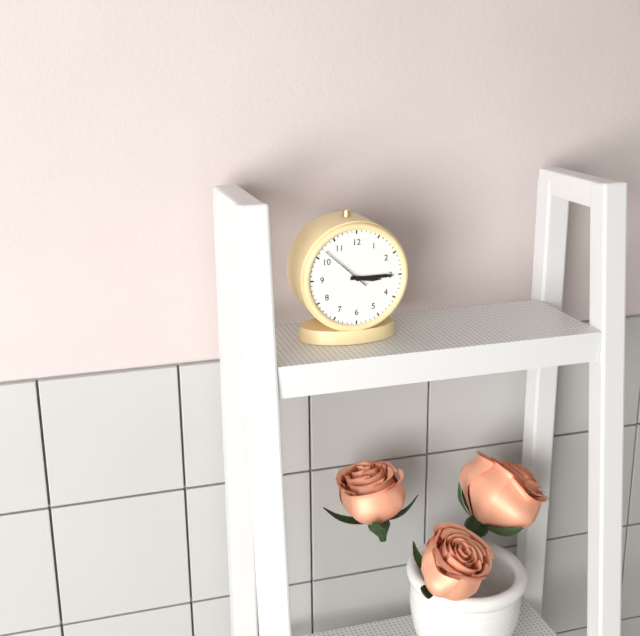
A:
3 h 15 min
